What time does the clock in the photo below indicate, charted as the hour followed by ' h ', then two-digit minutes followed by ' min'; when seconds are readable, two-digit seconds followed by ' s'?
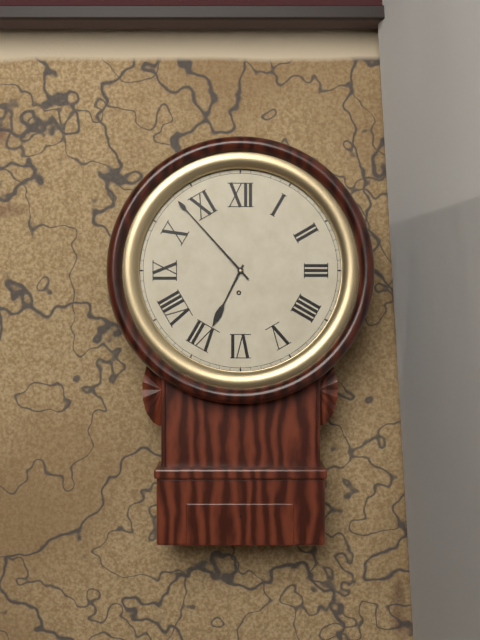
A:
6 h 53 min
